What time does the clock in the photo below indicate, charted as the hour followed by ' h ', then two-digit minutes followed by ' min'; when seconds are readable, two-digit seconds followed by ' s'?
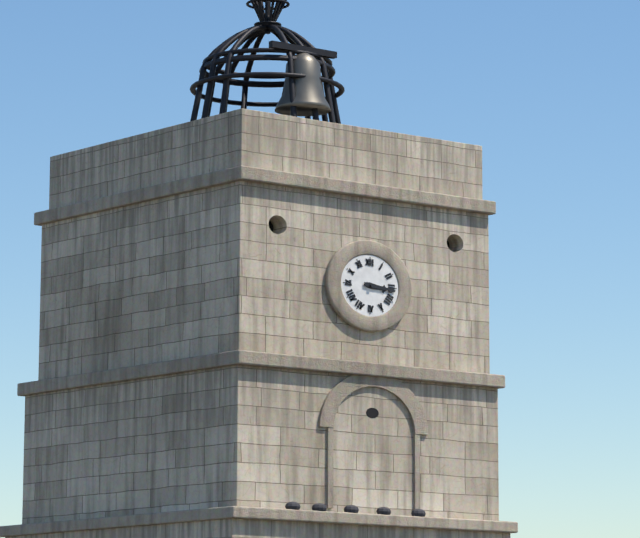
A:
3 h 16 min
